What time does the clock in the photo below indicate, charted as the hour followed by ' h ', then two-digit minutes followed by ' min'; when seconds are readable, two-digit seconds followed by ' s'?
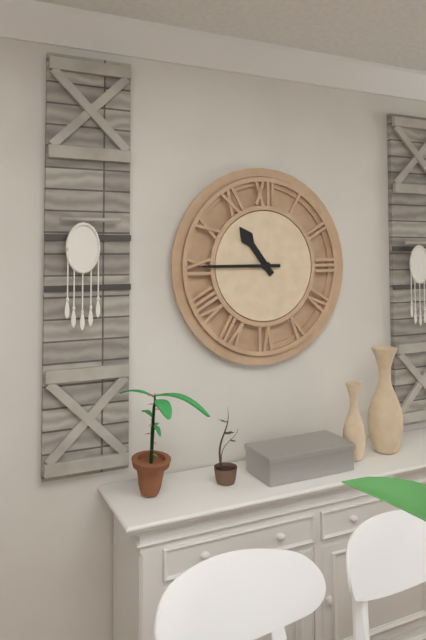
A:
10 h 45 min
